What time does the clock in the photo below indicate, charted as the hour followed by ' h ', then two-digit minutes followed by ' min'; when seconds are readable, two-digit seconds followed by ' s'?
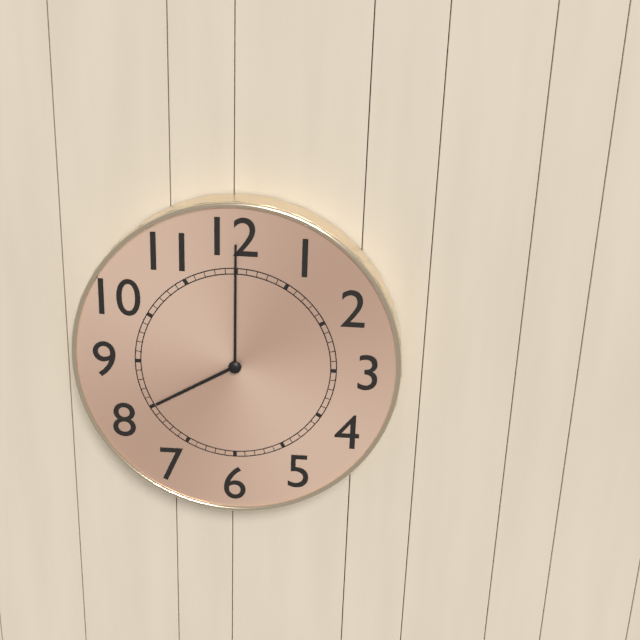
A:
8 h 00 min
